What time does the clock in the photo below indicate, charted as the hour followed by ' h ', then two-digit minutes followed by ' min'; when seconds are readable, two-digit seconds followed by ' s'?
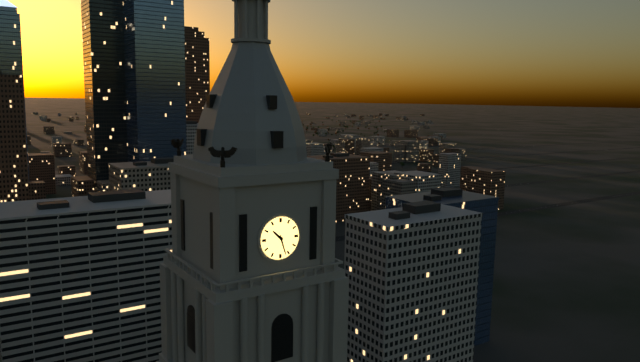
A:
10 h 27 min
